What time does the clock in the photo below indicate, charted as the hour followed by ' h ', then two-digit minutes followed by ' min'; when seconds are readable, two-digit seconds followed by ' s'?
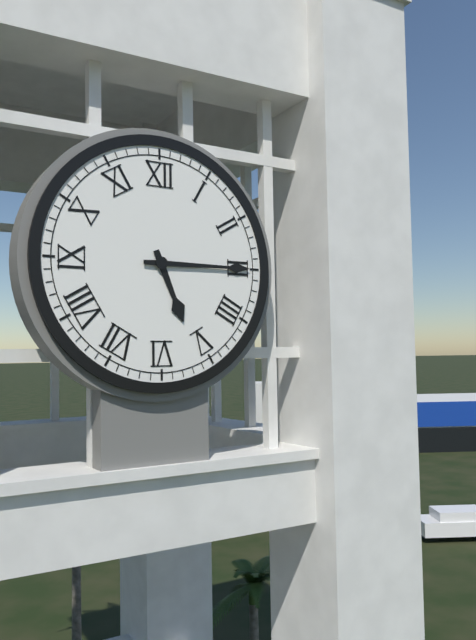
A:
5 h 15 min
